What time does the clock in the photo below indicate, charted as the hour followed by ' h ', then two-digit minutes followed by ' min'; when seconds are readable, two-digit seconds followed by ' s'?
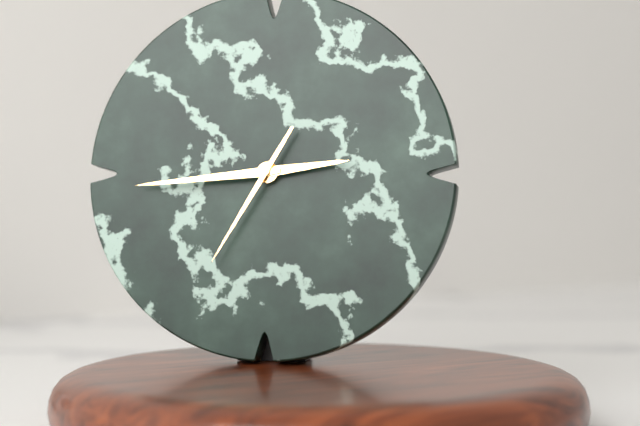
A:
2 h 44 min 35 s
